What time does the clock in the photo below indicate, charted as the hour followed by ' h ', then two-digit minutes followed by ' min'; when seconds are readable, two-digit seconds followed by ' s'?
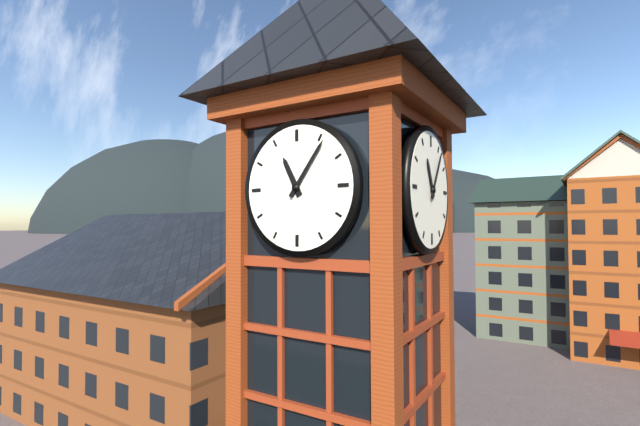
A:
11 h 06 min
